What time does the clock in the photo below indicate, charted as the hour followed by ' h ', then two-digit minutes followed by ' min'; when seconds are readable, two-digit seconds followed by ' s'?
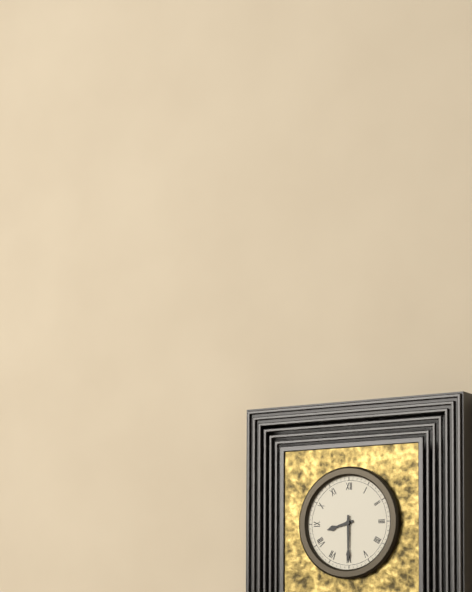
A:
8 h 30 min
